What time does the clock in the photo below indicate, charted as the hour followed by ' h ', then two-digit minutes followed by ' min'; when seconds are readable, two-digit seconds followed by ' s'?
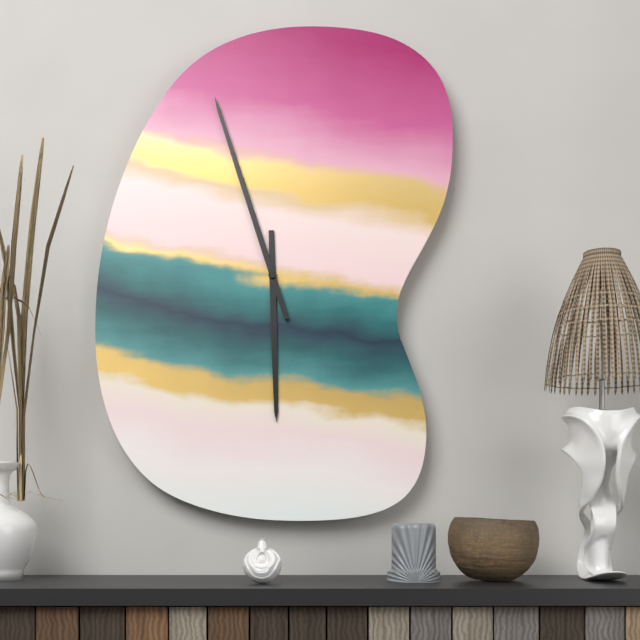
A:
5 h 57 min
